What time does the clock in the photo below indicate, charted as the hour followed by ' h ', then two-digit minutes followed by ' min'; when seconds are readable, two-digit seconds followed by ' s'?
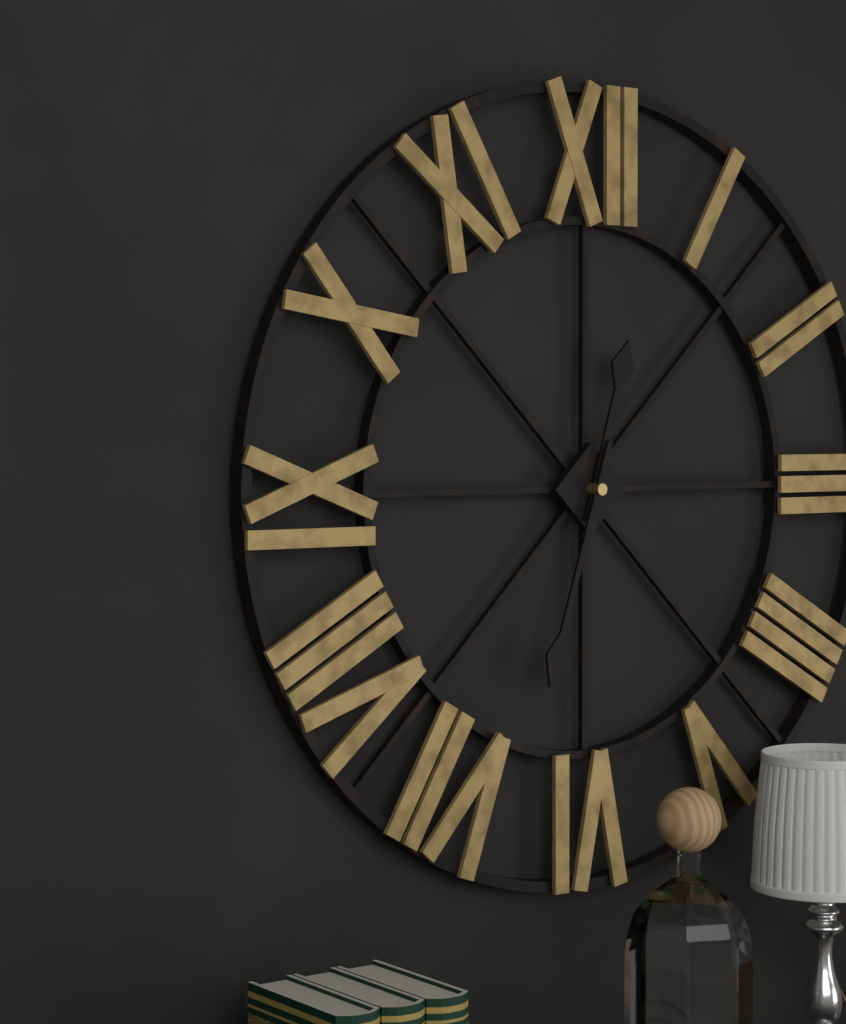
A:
12 h 33 min
